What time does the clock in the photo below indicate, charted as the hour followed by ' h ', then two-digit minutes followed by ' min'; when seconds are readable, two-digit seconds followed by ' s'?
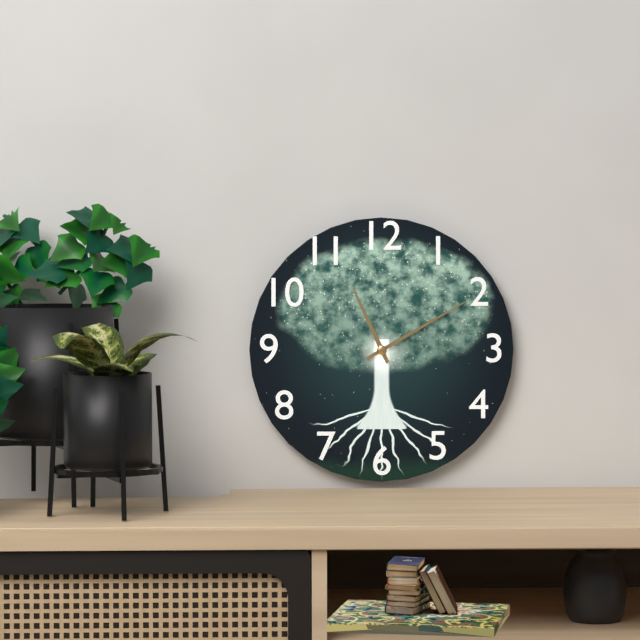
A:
11 h 10 min
